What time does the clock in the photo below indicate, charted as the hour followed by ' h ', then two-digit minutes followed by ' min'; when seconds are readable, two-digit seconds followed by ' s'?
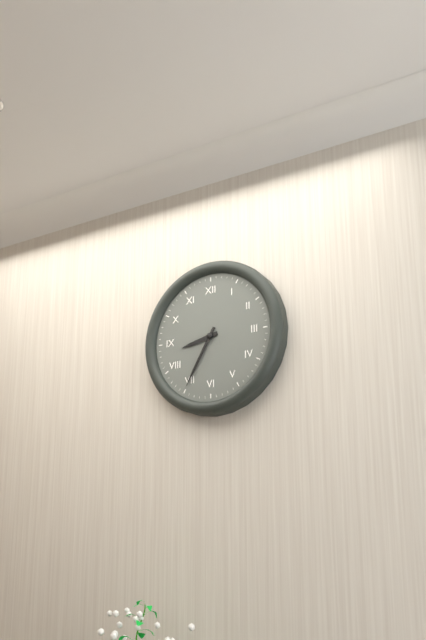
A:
8 h 35 min
